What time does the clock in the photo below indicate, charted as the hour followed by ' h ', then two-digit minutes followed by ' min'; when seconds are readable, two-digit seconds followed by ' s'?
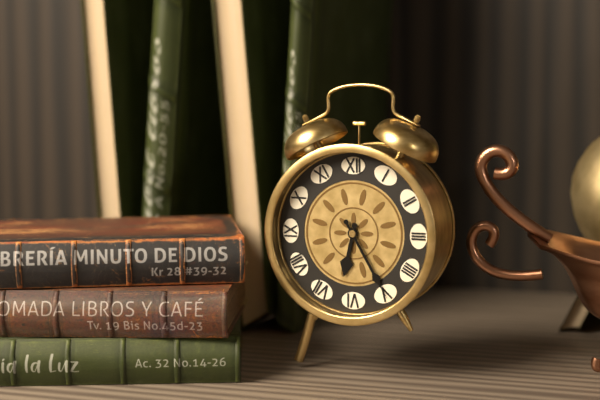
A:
6 h 25 min
